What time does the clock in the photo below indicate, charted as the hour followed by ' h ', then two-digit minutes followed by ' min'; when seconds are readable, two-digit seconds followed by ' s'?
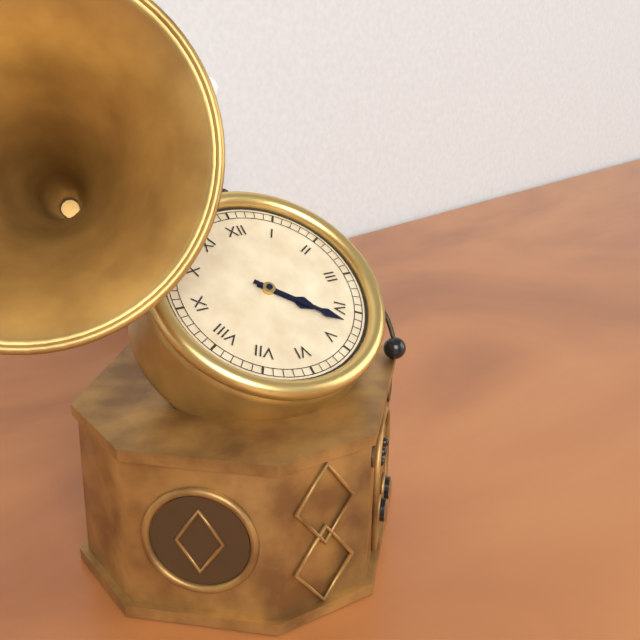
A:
4 h 22 min
